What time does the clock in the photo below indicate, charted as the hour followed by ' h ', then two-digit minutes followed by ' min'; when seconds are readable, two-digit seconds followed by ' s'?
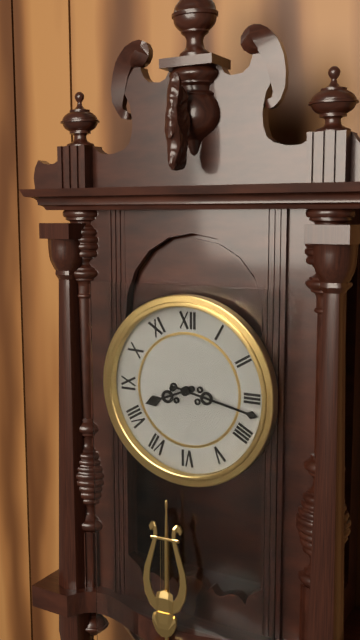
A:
8 h 17 min
